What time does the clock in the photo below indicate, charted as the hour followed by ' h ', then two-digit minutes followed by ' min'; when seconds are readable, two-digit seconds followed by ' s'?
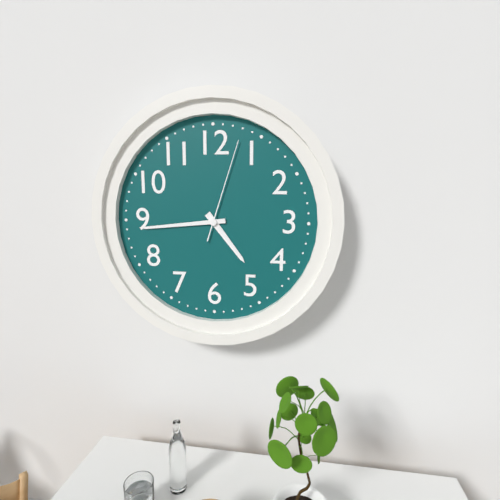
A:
4 h 44 min 03 s
